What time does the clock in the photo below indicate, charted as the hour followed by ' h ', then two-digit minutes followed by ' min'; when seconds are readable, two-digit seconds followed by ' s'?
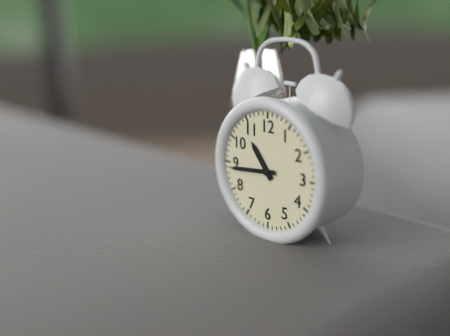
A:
10 h 44 min
